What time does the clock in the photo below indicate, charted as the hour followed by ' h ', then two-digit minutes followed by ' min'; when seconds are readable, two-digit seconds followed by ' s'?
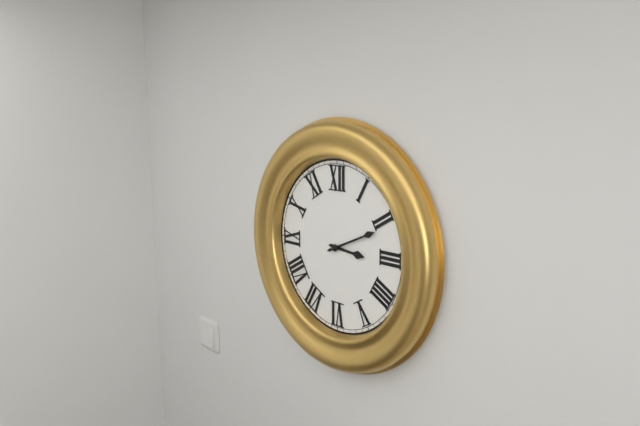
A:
3 h 11 min
